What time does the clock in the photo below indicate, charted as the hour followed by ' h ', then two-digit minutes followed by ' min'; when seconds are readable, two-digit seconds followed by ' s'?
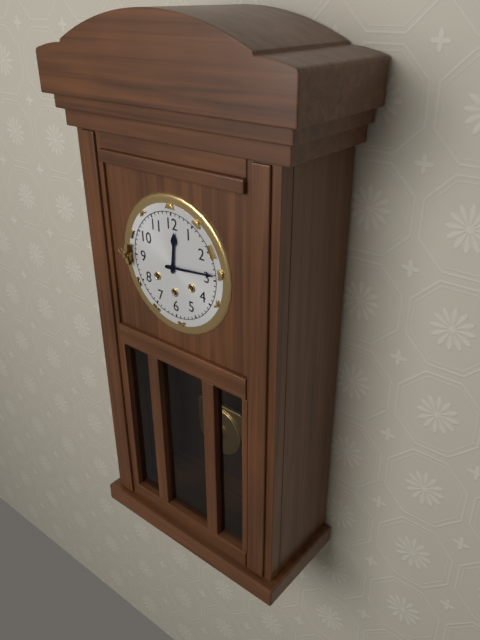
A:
12 h 14 min
